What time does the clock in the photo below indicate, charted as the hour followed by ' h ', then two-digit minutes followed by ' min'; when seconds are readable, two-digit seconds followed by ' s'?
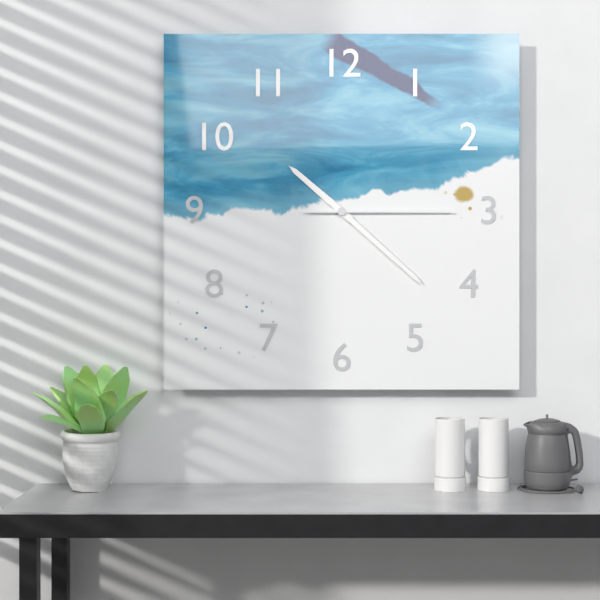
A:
10 h 22 min 15 s
